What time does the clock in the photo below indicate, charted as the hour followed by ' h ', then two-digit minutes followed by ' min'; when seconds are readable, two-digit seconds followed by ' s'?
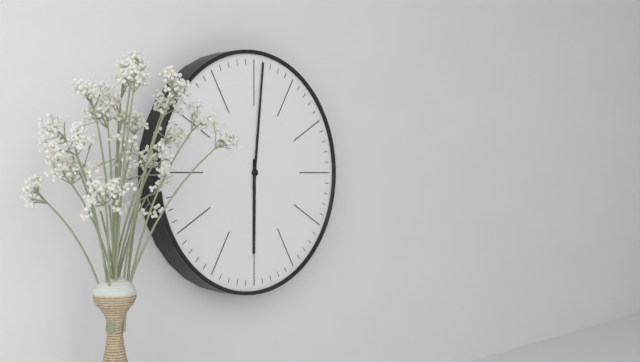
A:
6 h 01 min
